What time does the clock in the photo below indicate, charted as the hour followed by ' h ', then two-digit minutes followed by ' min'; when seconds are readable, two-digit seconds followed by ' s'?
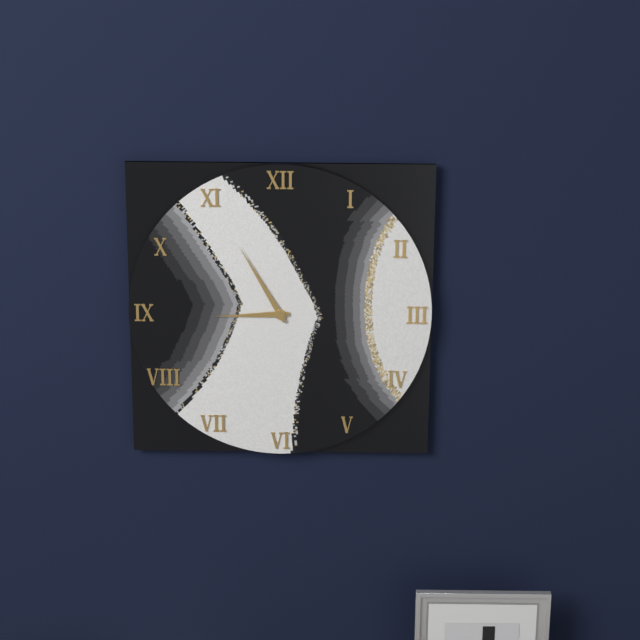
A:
8 h 55 min
